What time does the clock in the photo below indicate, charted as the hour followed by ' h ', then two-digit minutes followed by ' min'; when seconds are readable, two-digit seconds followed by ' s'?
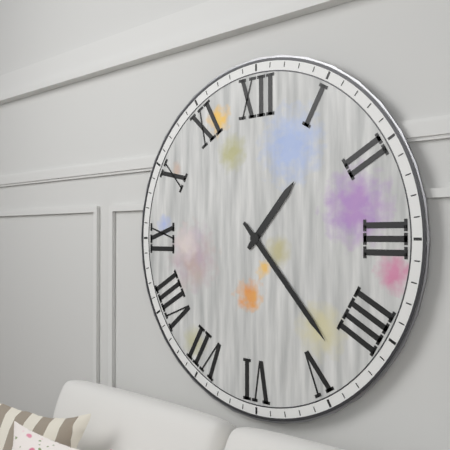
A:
1 h 23 min
